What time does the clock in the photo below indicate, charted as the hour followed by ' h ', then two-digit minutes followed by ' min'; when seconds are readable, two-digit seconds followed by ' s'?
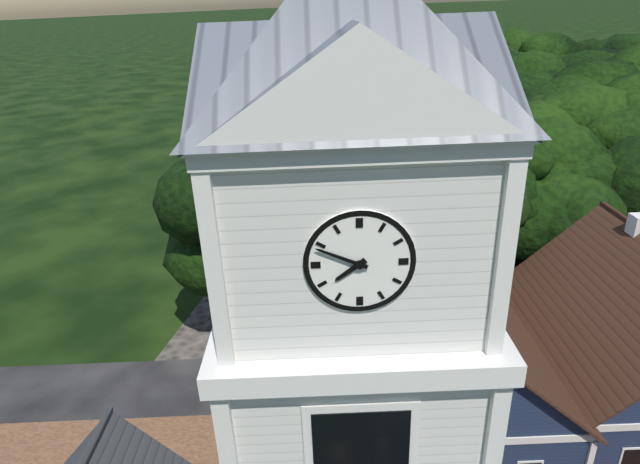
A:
7 h 49 min
